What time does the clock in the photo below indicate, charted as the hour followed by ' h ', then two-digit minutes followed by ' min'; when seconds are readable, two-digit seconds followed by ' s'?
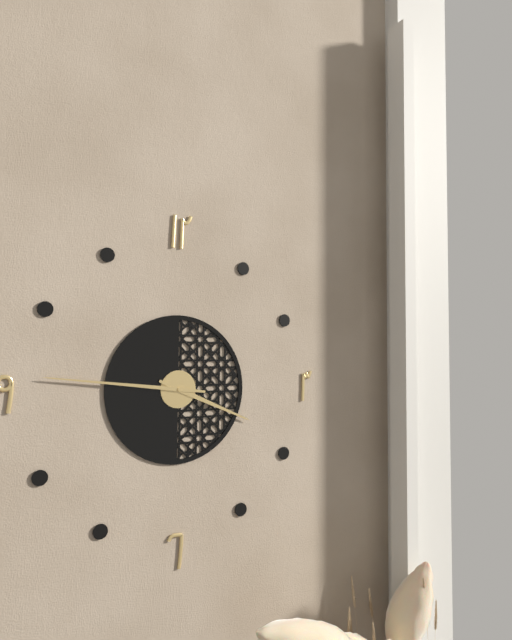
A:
3 h 46 min
